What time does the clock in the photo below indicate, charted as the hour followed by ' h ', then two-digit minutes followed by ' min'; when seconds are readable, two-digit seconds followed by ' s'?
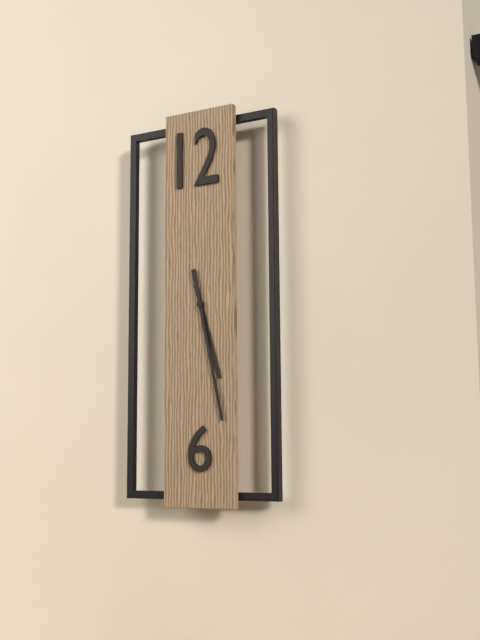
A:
5 h 28 min
